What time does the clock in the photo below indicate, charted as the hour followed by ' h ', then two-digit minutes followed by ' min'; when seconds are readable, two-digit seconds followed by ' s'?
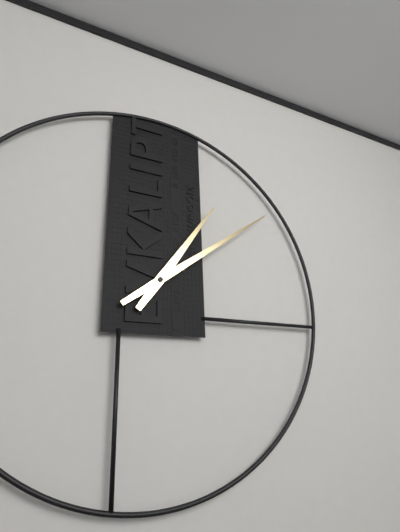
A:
1 h 09 min
